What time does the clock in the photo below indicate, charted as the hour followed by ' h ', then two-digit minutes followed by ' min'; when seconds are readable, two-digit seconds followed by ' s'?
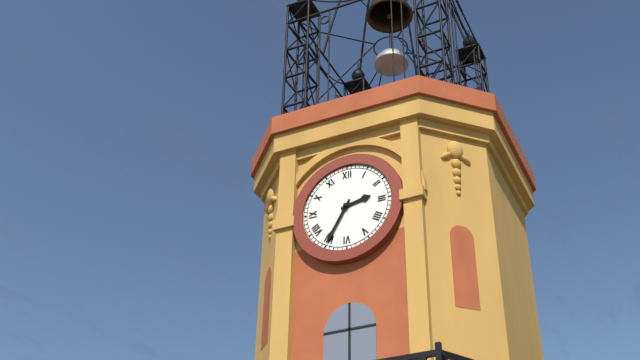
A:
2 h 35 min
